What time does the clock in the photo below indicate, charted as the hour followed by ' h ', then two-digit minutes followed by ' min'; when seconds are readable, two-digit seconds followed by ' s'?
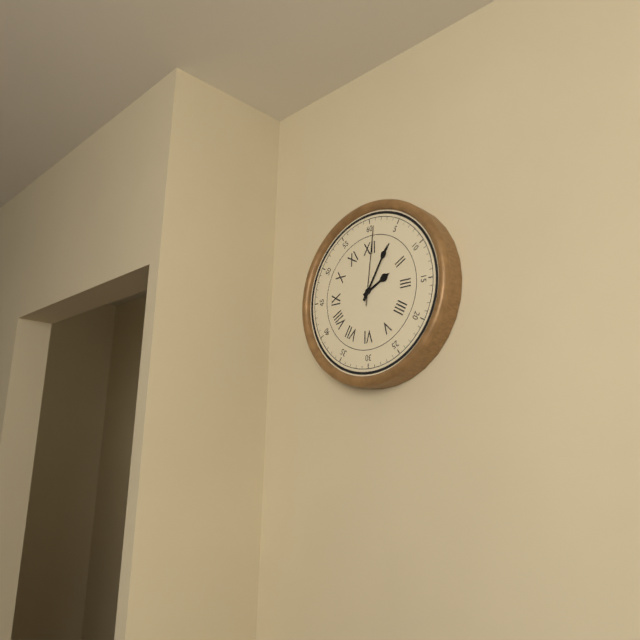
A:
2 h 05 min 01 s
